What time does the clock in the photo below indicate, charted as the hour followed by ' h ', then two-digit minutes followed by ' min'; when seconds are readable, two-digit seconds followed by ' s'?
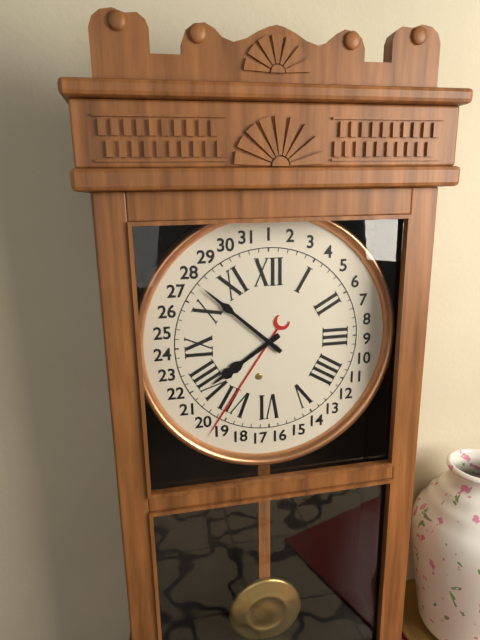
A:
7 h 52 min
